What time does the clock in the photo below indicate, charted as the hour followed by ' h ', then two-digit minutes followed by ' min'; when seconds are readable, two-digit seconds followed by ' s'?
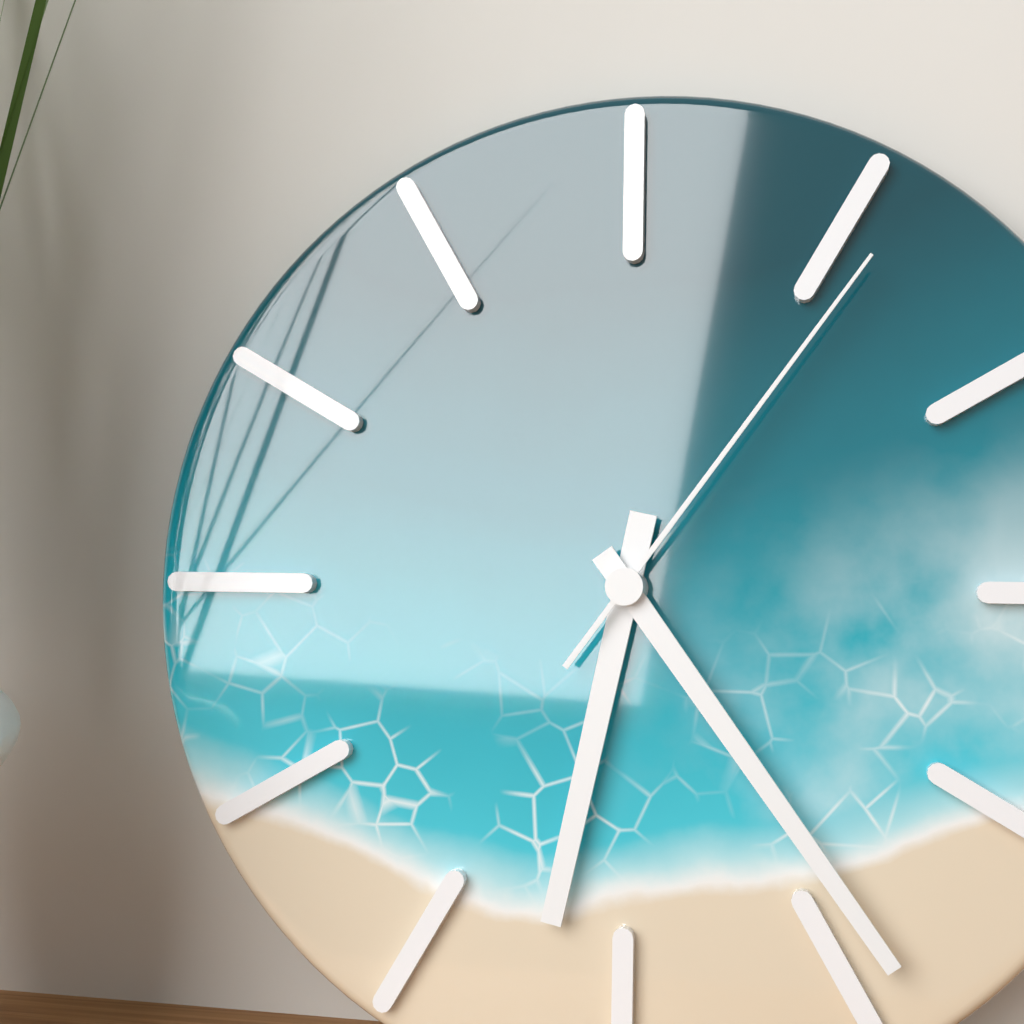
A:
6 h 24 min 06 s
